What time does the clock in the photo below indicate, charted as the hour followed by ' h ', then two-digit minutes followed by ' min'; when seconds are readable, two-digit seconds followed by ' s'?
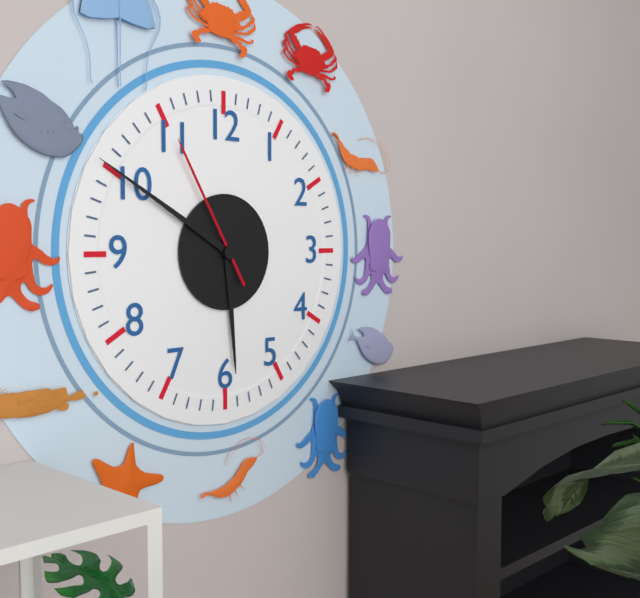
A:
5 h 50 min 55 s
